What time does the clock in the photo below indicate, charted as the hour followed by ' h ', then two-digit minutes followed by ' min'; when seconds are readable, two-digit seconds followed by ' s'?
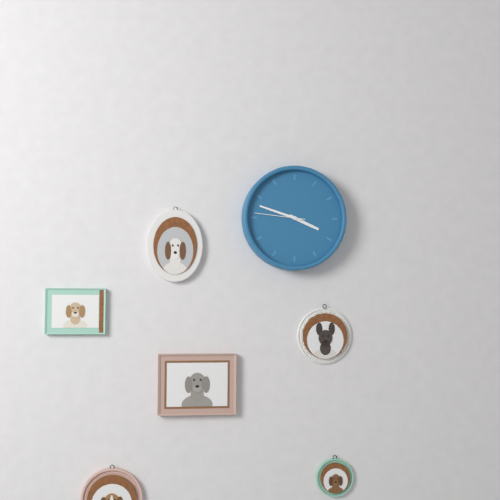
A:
3 h 48 min 46 s
